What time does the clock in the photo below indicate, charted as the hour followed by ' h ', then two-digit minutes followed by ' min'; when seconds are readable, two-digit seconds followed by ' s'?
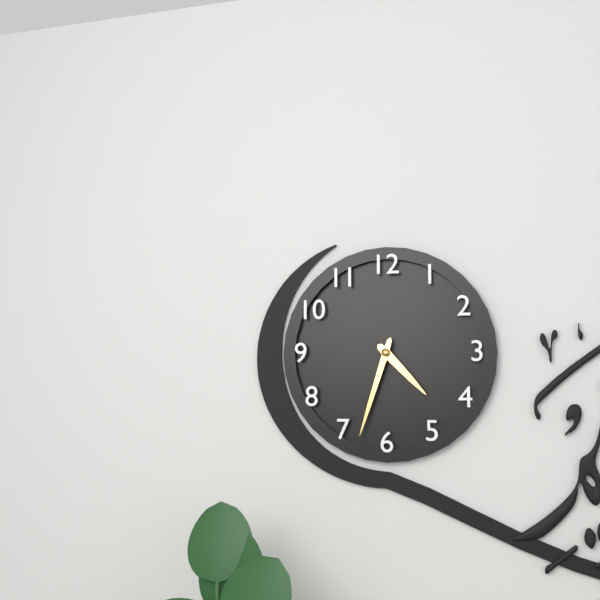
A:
4 h 33 min
